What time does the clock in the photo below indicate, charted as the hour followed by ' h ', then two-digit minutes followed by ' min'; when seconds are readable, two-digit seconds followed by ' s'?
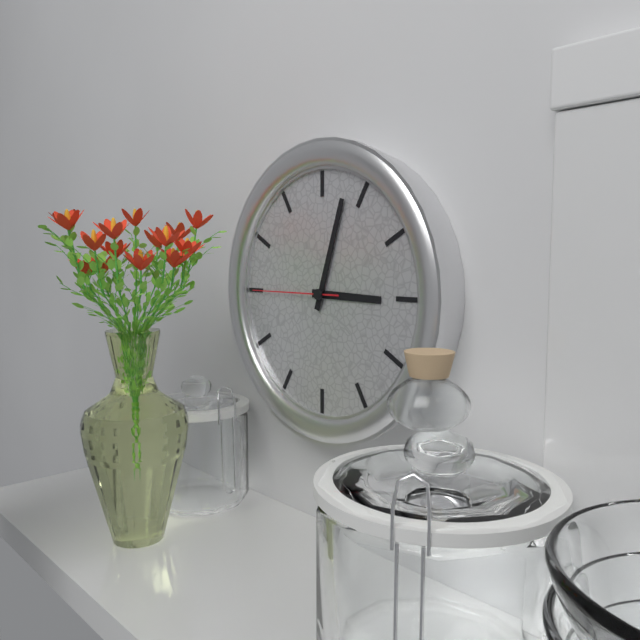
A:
3 h 03 min 45 s
